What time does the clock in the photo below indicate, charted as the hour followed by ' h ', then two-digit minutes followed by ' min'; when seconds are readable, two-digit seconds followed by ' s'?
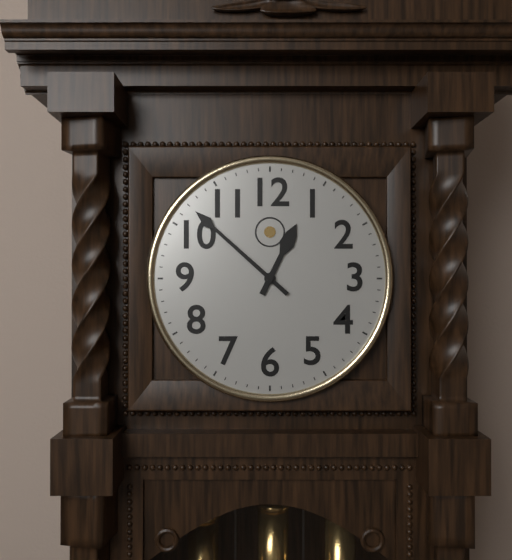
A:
12 h 52 min
